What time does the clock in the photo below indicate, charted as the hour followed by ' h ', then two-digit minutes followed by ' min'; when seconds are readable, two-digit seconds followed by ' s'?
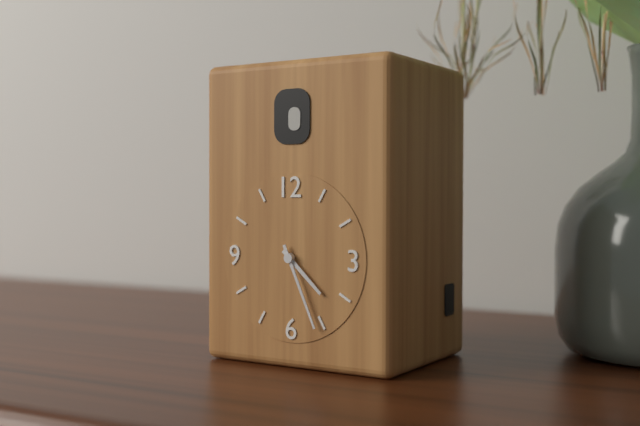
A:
4 h 26 min
